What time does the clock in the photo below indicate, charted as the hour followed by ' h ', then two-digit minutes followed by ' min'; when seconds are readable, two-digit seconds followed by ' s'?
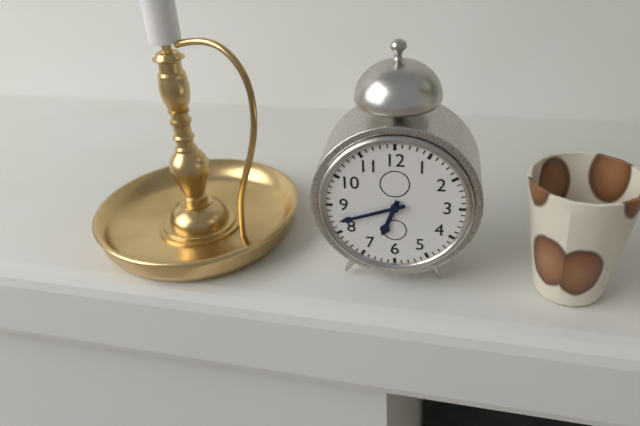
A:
6 h 42 min
